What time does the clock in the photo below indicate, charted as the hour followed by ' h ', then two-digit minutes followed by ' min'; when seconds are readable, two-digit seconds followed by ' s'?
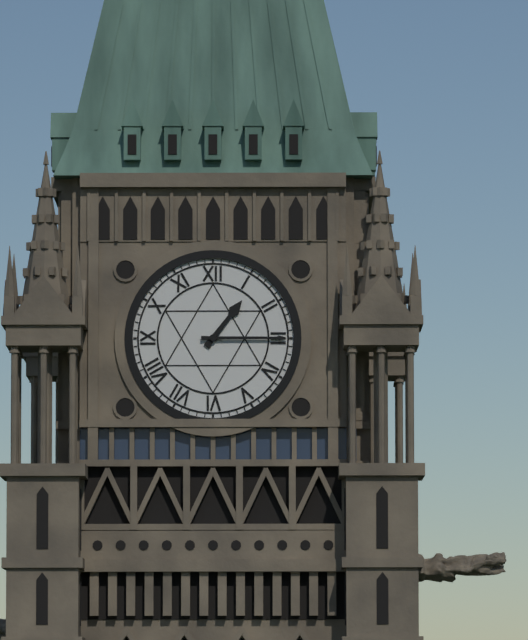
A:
1 h 15 min
